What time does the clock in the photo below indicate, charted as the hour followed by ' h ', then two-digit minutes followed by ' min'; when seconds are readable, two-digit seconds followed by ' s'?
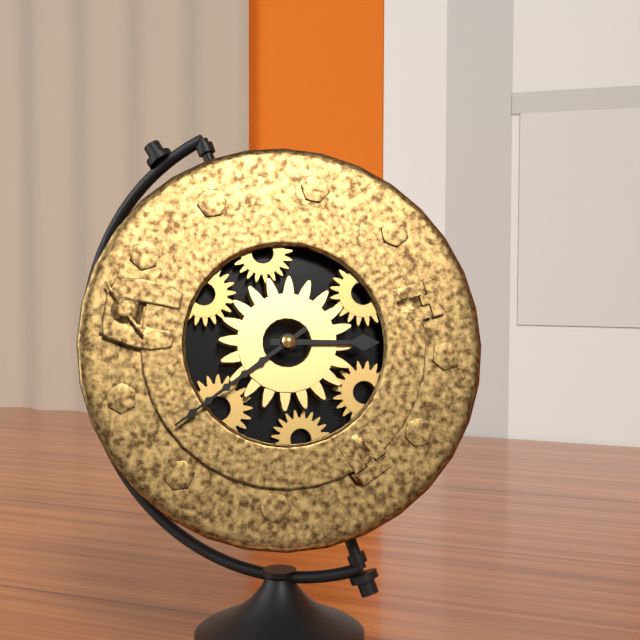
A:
2 h 37 min
